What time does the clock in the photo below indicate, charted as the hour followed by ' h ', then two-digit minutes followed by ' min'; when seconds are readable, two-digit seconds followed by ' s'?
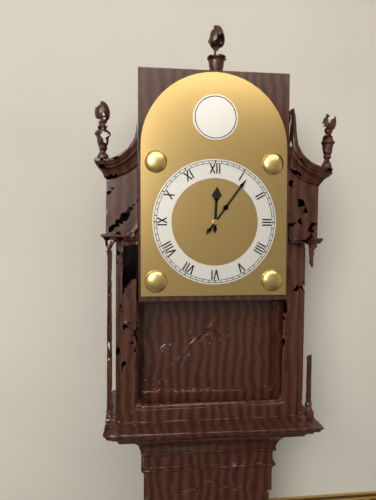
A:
12 h 06 min
